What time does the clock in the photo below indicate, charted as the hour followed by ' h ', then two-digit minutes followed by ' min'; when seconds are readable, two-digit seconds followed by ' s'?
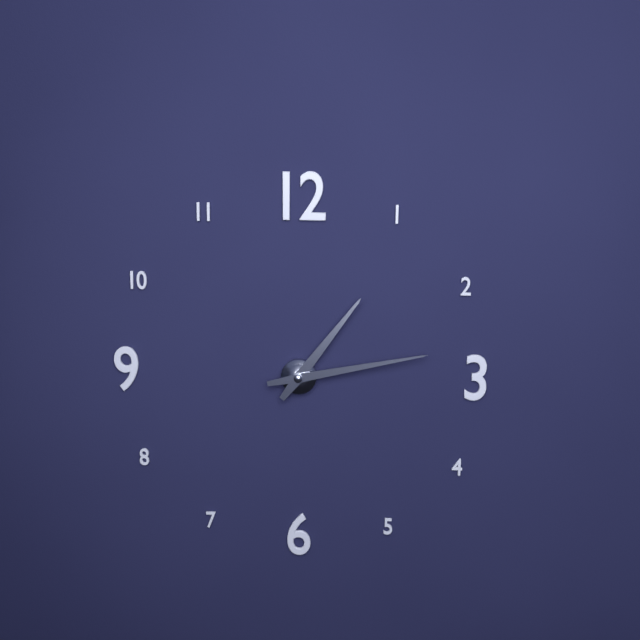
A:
1 h 13 min
